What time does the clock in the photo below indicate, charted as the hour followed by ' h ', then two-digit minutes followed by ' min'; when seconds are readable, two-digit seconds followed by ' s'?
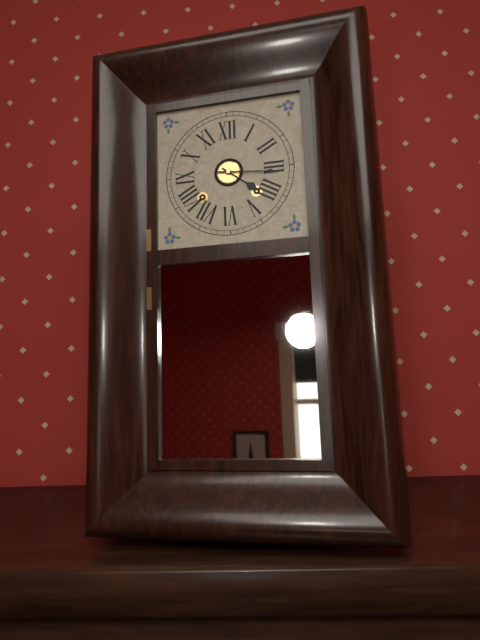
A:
4 h 16 min
